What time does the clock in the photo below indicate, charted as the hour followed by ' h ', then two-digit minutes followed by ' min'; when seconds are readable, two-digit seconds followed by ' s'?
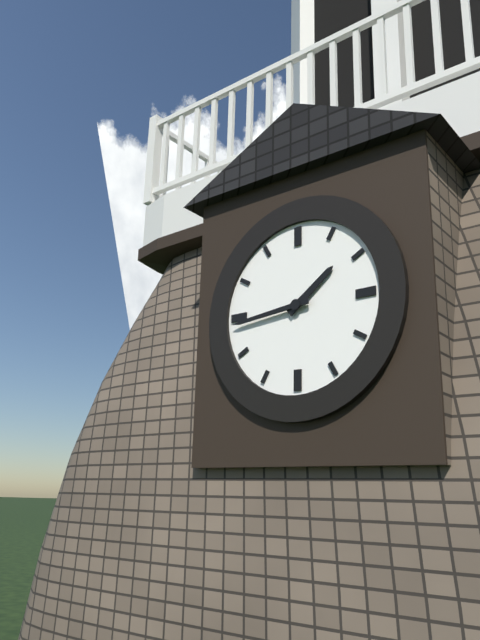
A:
1 h 44 min
